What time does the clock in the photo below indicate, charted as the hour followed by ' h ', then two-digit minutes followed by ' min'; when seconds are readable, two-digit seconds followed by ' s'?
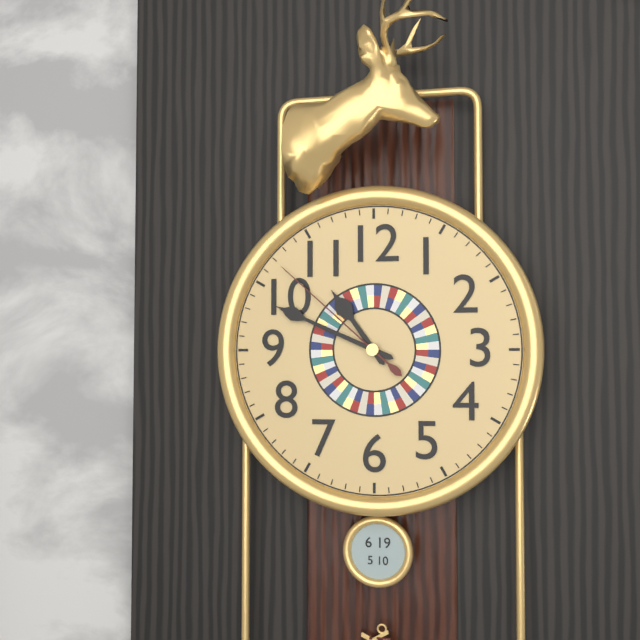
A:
10 h 49 min 52 s
